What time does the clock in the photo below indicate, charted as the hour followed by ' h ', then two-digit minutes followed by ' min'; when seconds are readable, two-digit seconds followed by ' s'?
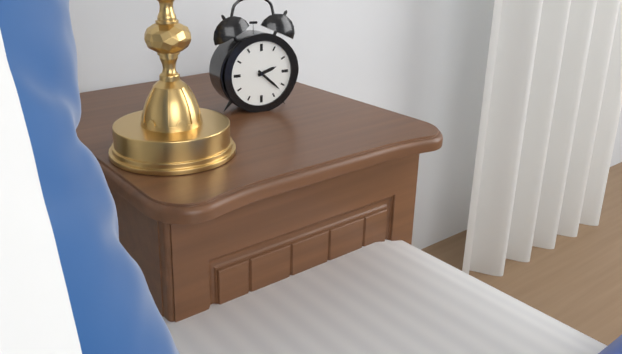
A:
2 h 22 min
